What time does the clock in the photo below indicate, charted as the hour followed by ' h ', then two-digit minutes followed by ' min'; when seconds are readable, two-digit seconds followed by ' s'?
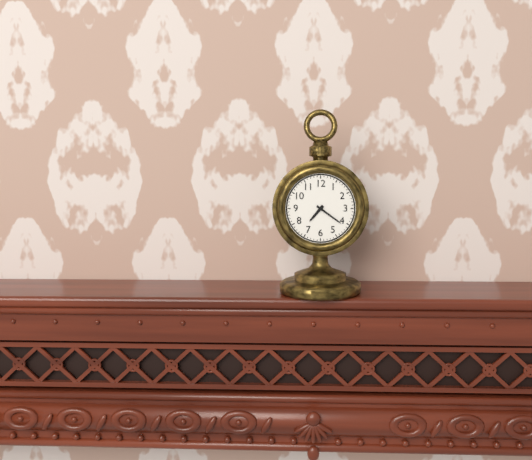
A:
7 h 21 min
